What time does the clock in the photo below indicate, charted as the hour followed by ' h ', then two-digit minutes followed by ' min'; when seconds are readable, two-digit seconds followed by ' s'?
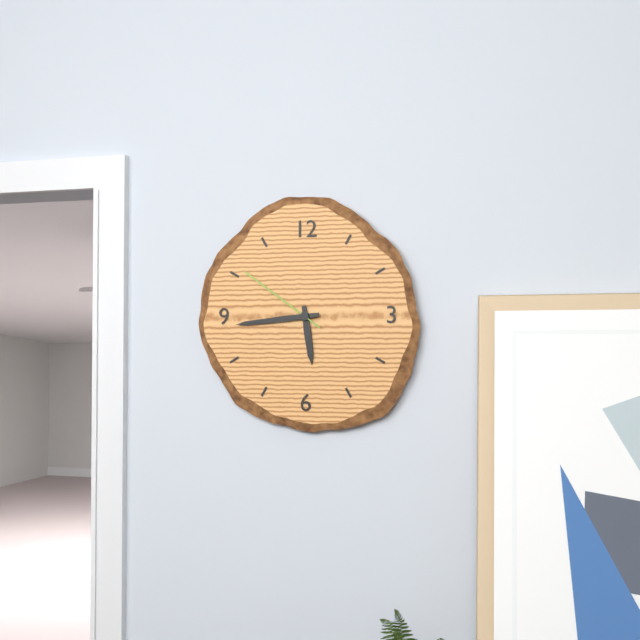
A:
5 h 44 min 51 s
